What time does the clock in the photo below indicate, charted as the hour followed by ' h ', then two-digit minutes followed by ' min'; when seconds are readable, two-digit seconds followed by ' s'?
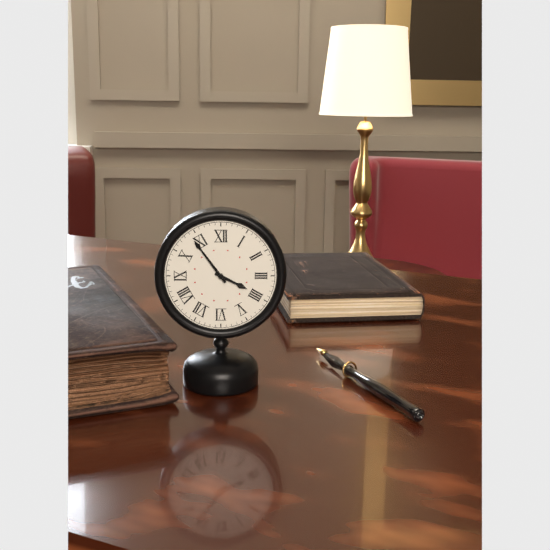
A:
3 h 54 min
